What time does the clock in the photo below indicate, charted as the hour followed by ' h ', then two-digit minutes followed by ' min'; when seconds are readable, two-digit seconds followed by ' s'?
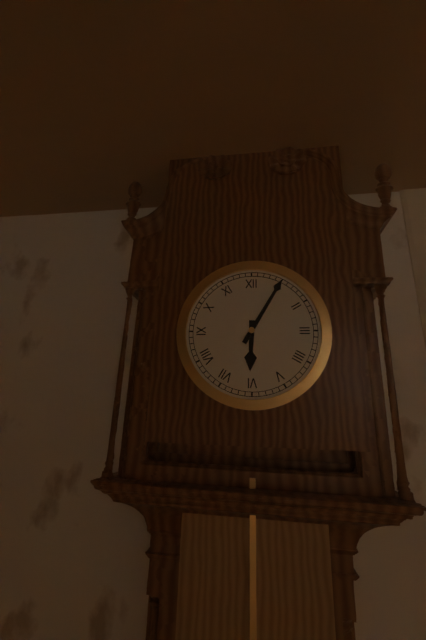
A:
6 h 05 min
